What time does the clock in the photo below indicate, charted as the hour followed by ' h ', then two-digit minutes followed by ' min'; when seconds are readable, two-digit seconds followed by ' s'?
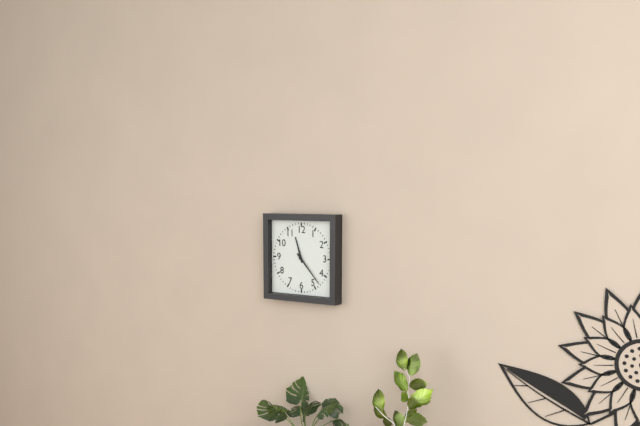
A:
11 h 23 min
